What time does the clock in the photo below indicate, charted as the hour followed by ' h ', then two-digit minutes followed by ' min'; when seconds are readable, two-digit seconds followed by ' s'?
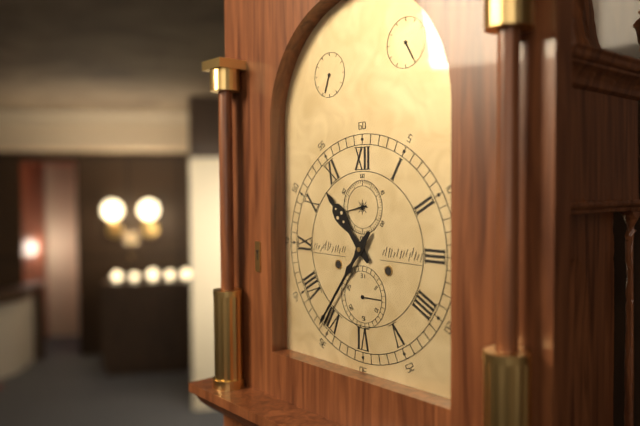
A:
10 h 36 min
